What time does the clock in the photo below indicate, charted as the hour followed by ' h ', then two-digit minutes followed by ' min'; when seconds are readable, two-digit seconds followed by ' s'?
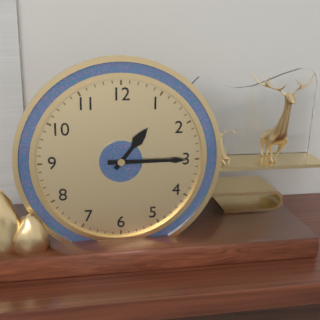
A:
1 h 15 min
